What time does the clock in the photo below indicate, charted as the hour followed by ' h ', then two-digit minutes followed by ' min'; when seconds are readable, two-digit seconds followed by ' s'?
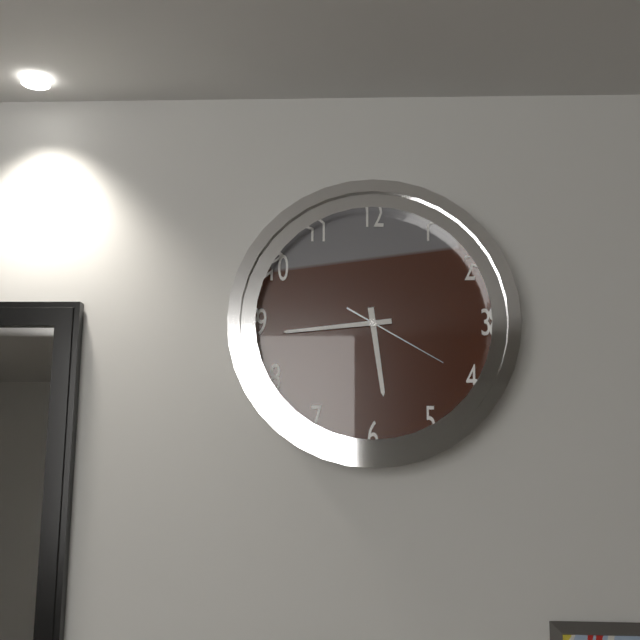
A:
5 h 44 min 20 s
